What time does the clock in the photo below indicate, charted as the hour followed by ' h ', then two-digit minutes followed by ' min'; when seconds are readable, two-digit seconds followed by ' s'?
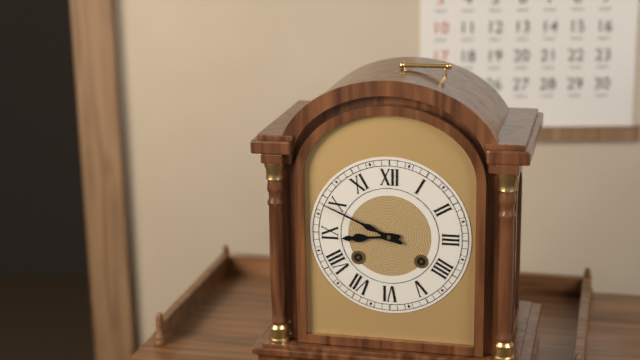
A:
8 h 49 min
